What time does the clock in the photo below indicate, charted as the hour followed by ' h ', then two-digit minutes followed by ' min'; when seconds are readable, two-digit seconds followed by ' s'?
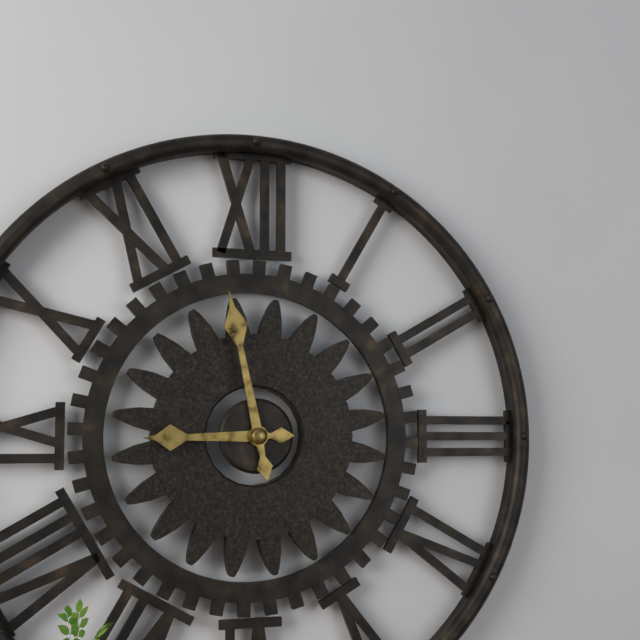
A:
8 h 58 min
